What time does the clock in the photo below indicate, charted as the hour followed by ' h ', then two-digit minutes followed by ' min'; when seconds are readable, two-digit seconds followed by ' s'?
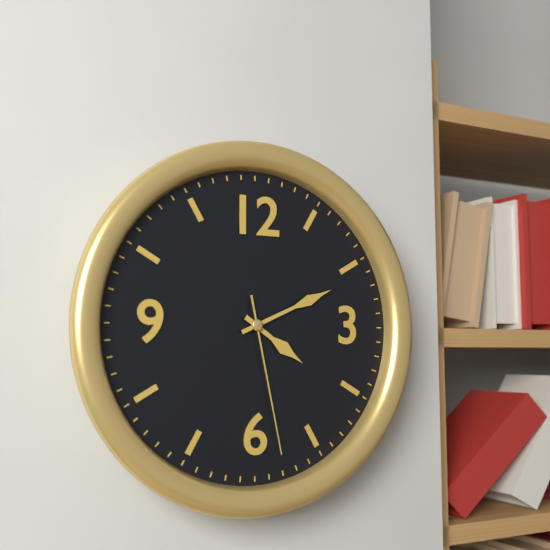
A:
4 h 11 min 28 s
